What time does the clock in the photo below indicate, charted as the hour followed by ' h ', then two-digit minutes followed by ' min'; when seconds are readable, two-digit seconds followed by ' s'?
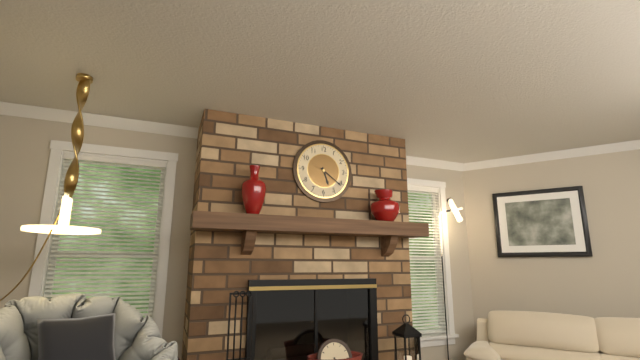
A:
5 h 21 min
